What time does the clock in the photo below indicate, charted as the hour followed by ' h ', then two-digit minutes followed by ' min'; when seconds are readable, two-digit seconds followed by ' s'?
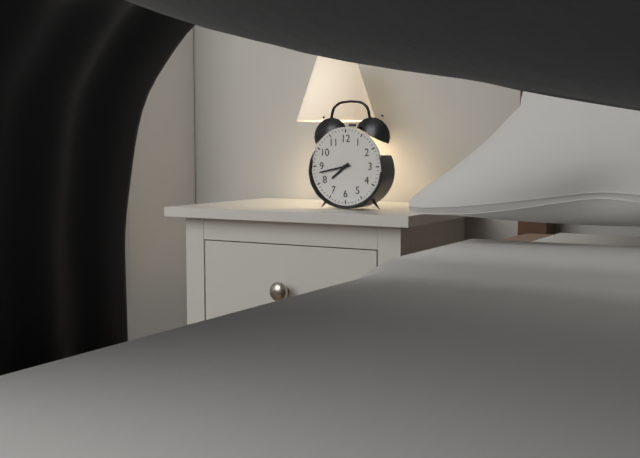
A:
7 h 43 min
